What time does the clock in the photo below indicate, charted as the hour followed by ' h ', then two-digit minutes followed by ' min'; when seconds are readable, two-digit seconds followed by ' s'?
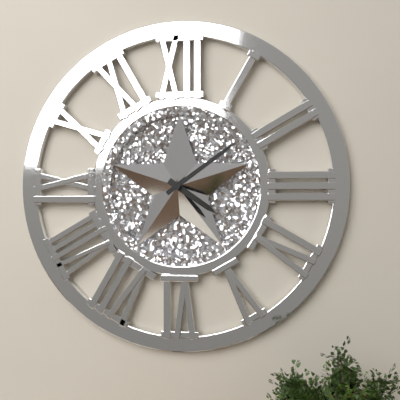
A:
4 h 09 min
